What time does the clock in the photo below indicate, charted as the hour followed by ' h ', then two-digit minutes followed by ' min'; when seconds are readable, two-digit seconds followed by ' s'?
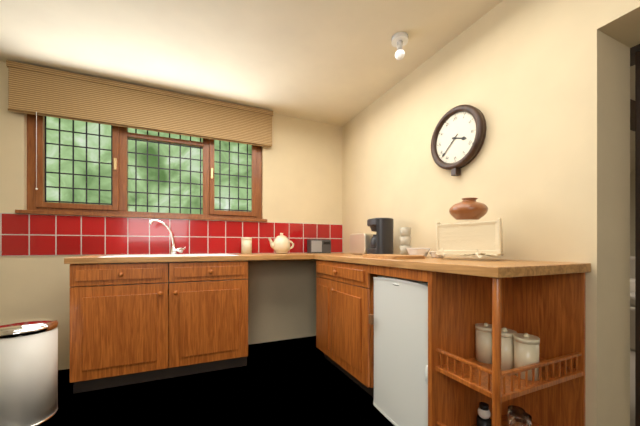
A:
3 h 38 min
